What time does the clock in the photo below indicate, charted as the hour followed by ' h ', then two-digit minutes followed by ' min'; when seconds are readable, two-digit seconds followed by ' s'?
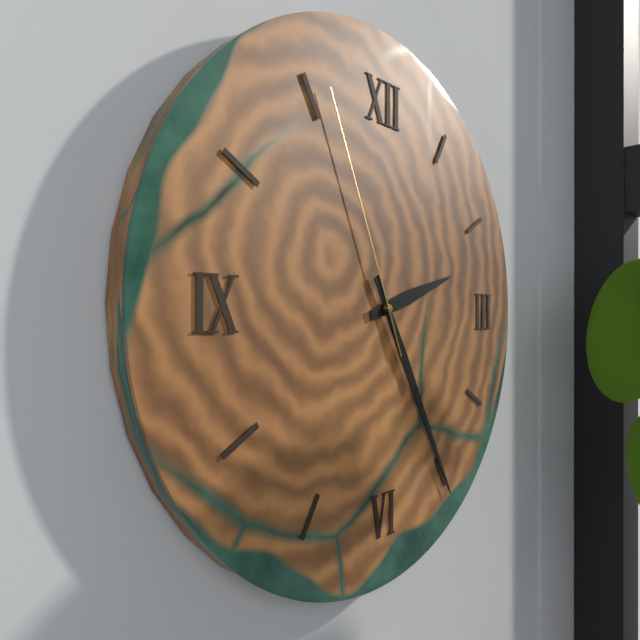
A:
2 h 25 min 56 s
